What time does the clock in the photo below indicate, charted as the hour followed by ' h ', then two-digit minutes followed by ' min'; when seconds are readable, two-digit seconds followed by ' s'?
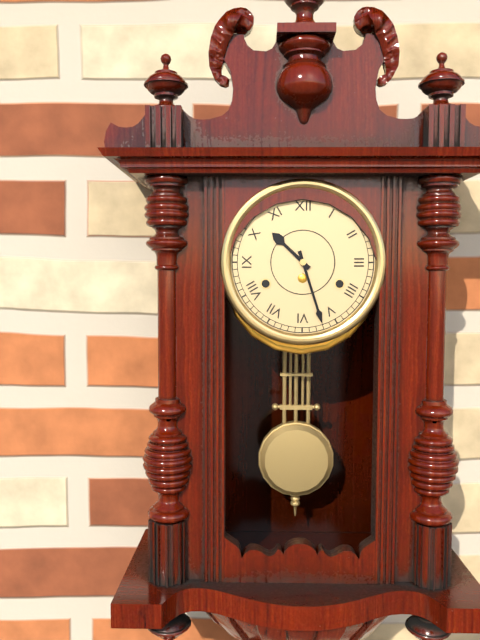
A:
10 h 27 min
